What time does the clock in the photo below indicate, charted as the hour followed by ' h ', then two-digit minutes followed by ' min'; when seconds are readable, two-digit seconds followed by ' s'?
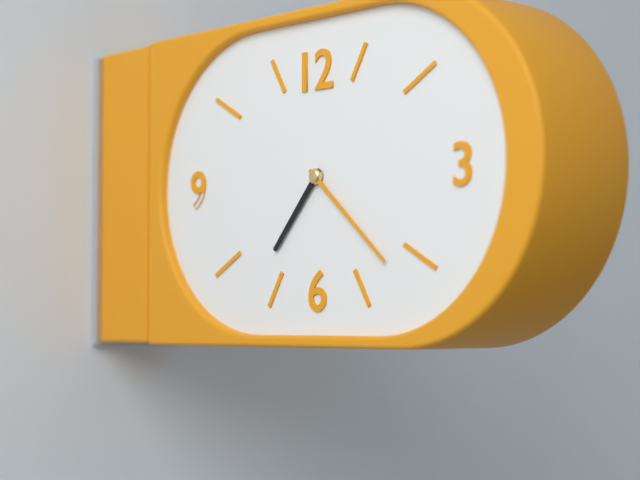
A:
7 h 22 min
